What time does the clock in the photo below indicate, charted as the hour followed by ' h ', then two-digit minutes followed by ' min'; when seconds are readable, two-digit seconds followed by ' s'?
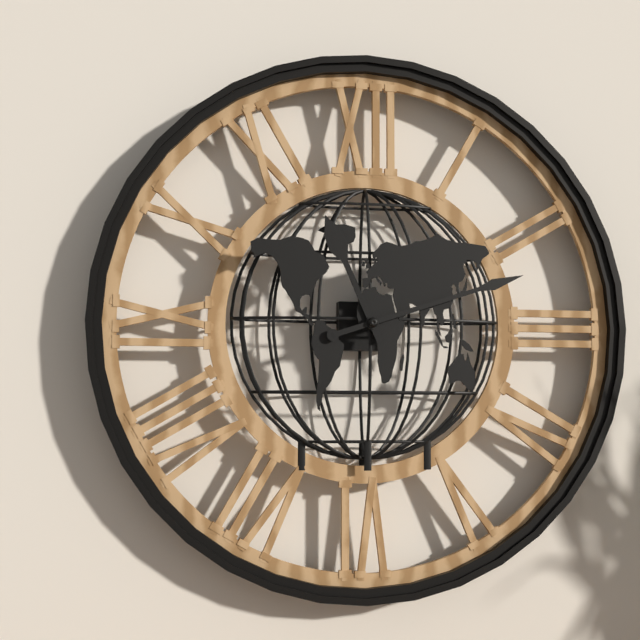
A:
11 h 12 min
